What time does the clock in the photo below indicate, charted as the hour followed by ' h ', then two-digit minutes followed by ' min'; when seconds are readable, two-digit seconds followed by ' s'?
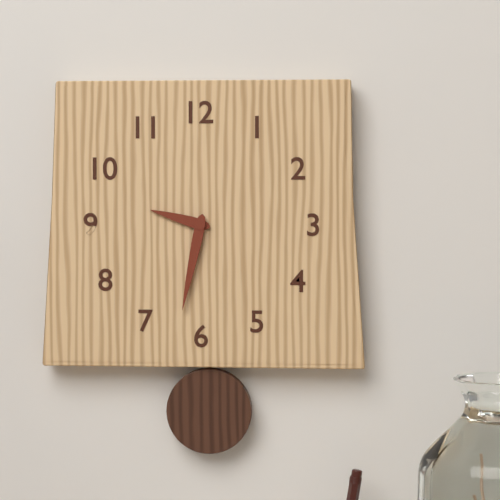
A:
9 h 32 min
